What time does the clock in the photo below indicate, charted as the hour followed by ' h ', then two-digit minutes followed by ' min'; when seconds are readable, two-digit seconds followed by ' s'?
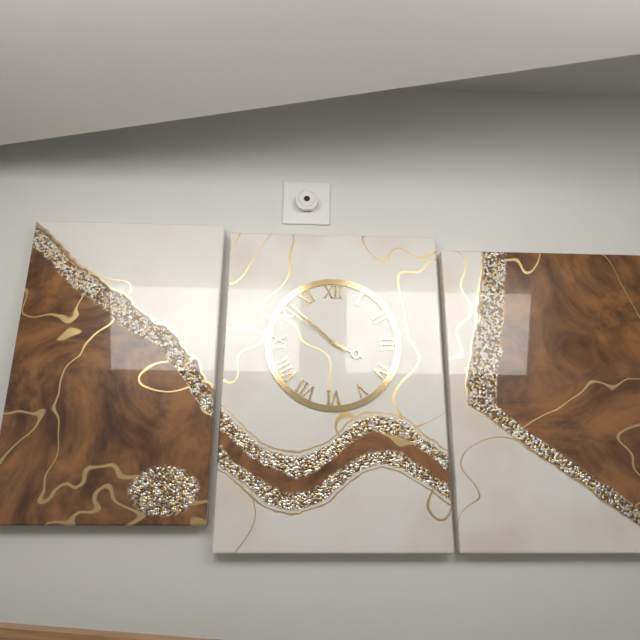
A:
3 h 52 min 51 s
